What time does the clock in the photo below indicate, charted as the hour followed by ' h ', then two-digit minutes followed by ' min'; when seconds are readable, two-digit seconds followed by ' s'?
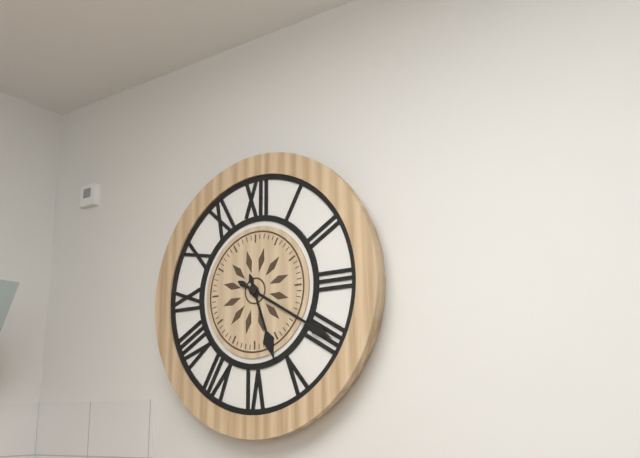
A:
5 h 20 min
